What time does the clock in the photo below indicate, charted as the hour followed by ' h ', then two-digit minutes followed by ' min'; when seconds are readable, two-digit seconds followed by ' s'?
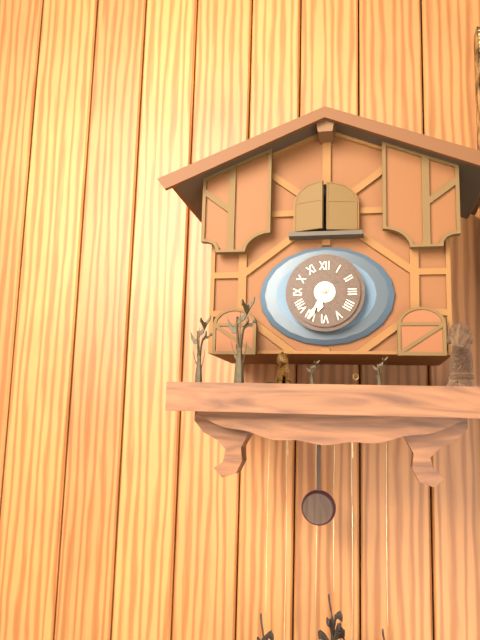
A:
6 h 35 min
